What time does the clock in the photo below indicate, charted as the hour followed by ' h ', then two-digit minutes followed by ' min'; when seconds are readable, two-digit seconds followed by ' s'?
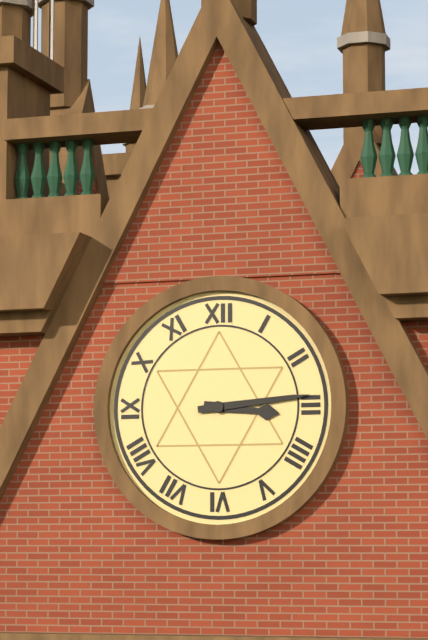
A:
3 h 14 min
